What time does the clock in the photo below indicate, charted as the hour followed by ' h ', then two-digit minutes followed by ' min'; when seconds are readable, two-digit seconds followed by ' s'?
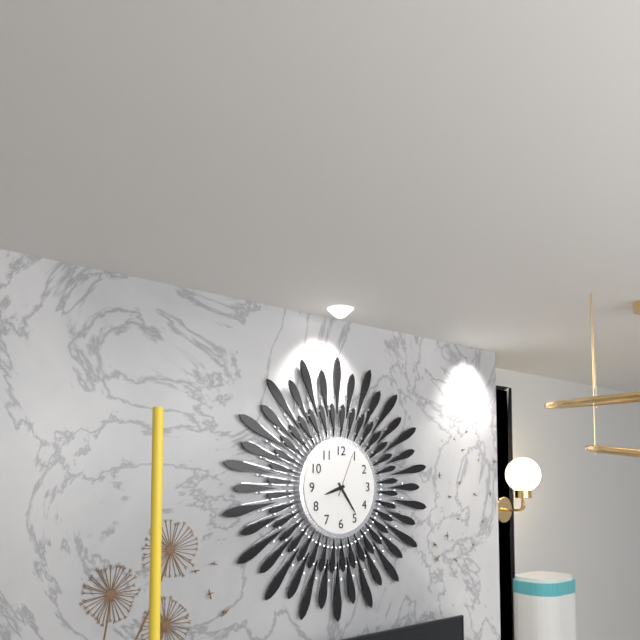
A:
8 h 24 min
